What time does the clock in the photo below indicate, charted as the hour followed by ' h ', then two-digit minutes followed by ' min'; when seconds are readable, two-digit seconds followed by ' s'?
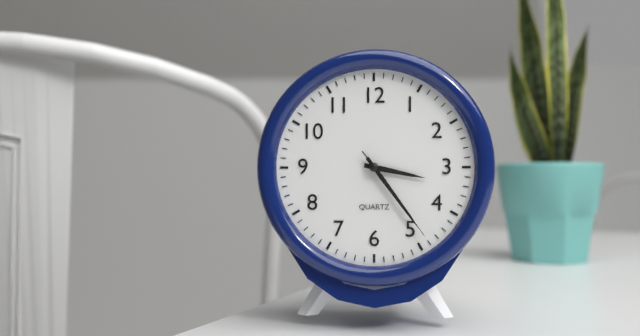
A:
3 h 24 min 24 s
